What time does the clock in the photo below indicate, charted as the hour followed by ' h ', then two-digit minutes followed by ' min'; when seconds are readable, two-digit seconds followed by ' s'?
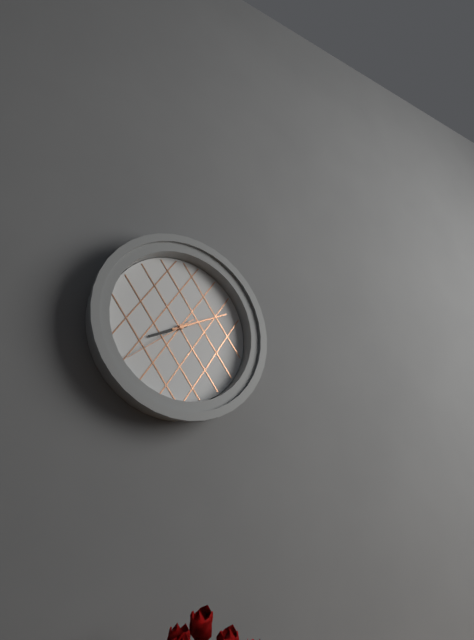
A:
8 h 11 min 39 s
